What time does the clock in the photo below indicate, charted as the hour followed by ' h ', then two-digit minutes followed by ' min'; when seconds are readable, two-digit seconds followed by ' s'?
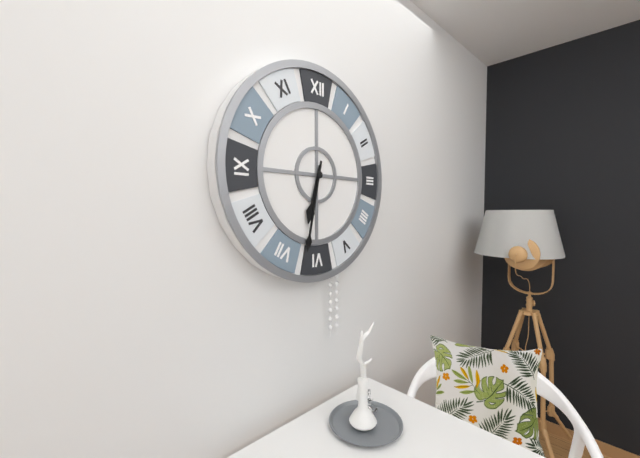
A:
6 h 32 min
